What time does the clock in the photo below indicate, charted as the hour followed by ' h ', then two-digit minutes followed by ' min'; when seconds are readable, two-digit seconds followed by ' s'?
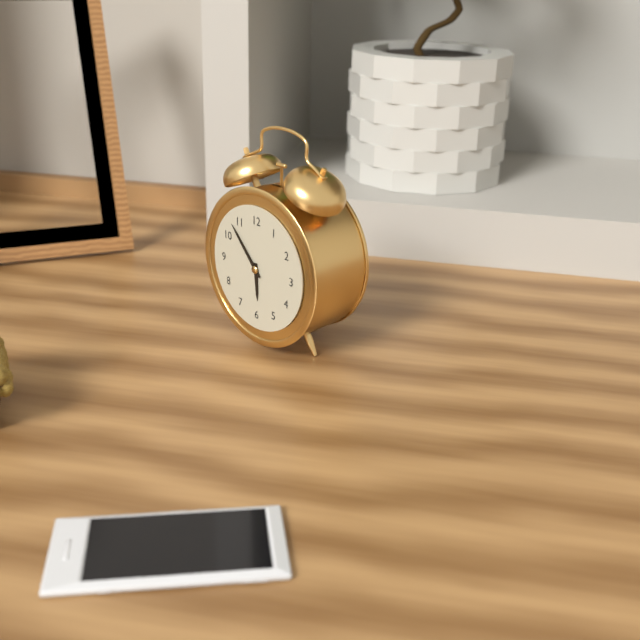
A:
5 h 53 min
